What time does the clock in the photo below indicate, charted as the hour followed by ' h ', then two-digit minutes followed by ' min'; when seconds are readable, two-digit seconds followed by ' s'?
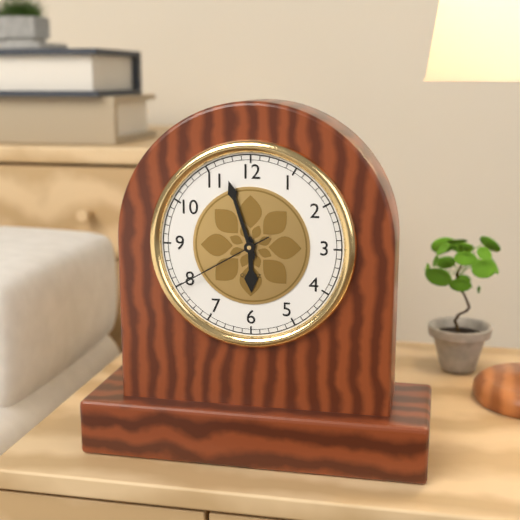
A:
5 h 57 min 40 s
